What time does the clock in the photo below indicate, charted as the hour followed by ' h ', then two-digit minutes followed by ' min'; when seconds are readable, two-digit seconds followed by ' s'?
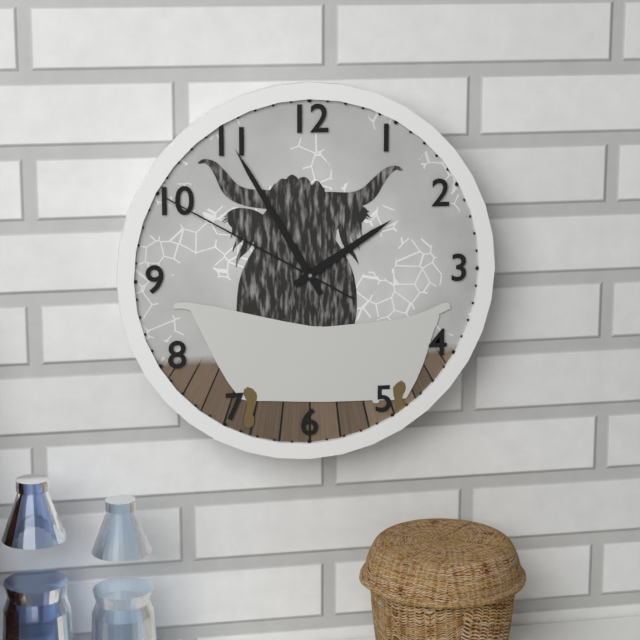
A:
1 h 55 min 50 s
